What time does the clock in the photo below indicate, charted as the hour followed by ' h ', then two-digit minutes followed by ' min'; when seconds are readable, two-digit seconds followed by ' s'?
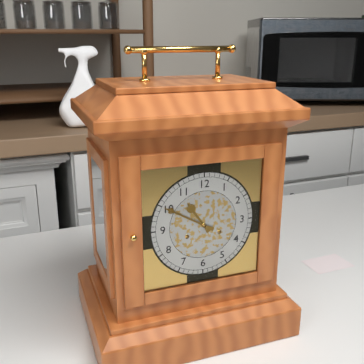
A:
10 h 50 min
